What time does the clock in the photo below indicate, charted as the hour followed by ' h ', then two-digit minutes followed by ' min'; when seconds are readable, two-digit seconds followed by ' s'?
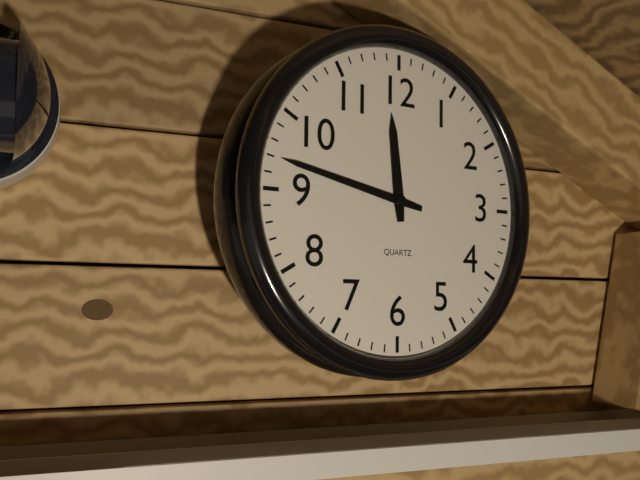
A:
11 h 47 min
